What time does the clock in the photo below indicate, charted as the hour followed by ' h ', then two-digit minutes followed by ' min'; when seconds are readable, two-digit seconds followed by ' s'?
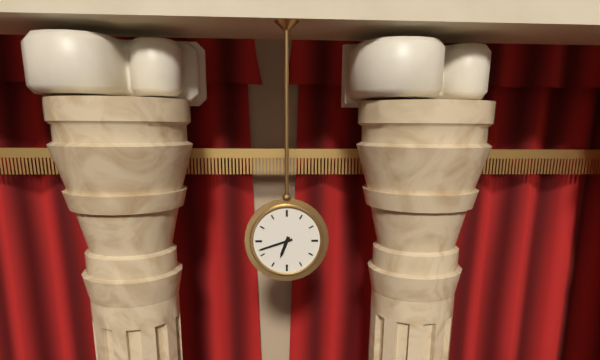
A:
6 h 42 min
